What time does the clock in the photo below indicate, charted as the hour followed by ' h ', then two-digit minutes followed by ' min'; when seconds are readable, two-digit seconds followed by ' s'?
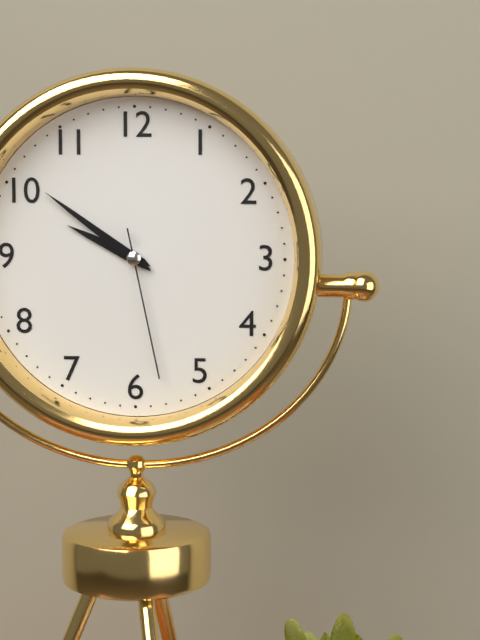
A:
9 h 51 min 28 s
